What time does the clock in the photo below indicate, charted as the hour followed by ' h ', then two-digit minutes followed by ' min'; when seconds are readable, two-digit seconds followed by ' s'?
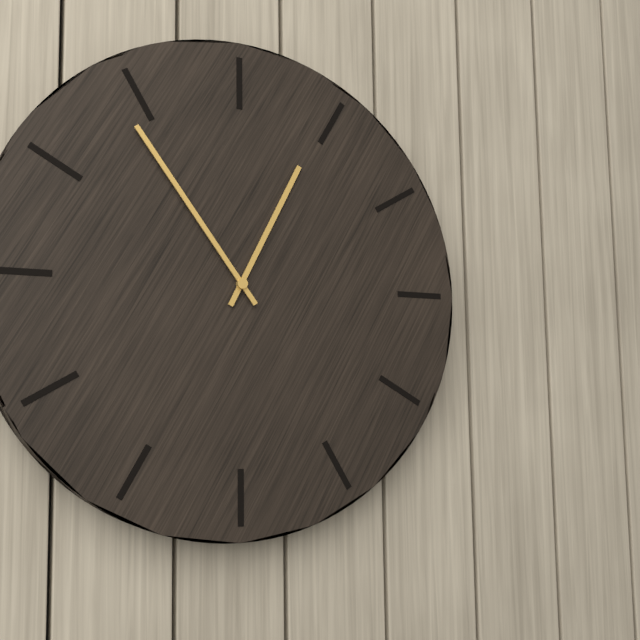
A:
12 h 54 min
